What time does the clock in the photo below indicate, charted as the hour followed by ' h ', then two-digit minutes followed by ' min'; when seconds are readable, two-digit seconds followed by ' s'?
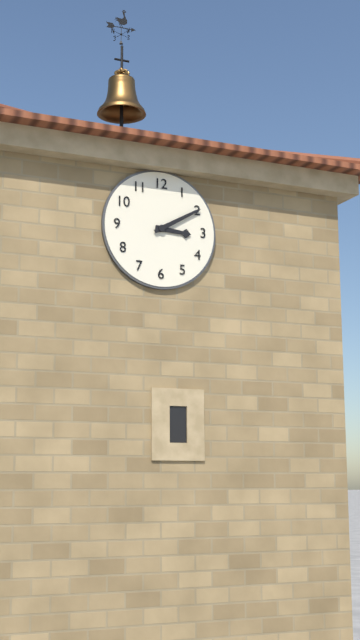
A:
3 h 10 min
